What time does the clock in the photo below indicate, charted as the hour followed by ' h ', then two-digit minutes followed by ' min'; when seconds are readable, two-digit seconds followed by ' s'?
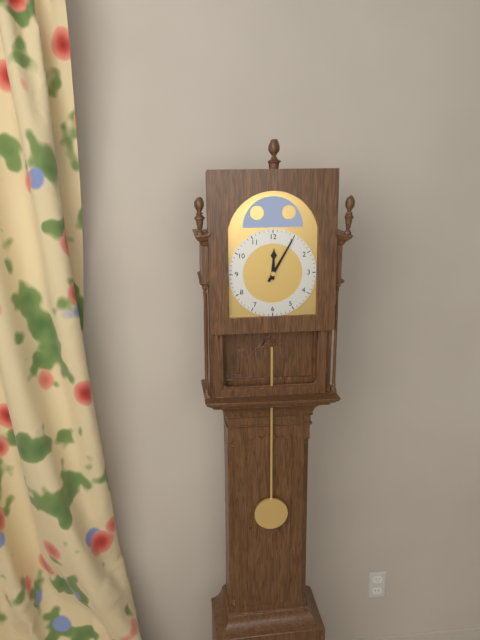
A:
12 h 05 min
